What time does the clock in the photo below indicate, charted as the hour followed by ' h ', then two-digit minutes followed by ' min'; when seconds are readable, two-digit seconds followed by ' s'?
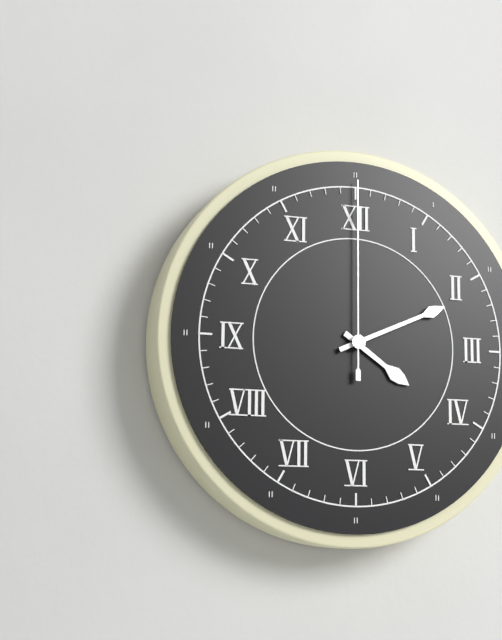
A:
4 h 11 min 00 s
